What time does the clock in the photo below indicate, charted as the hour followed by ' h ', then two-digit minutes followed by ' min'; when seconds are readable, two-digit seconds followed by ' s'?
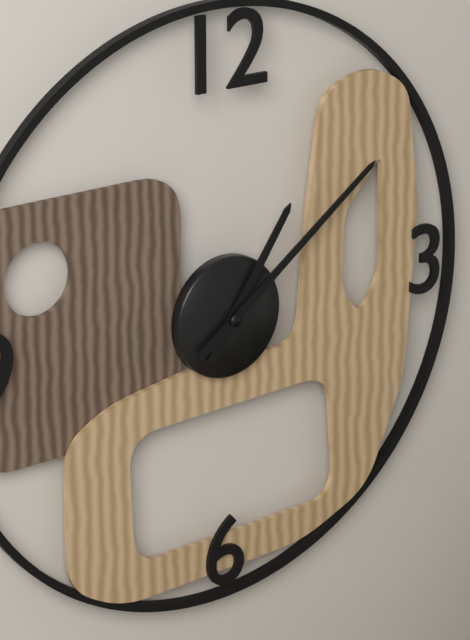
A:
1 h 09 min
